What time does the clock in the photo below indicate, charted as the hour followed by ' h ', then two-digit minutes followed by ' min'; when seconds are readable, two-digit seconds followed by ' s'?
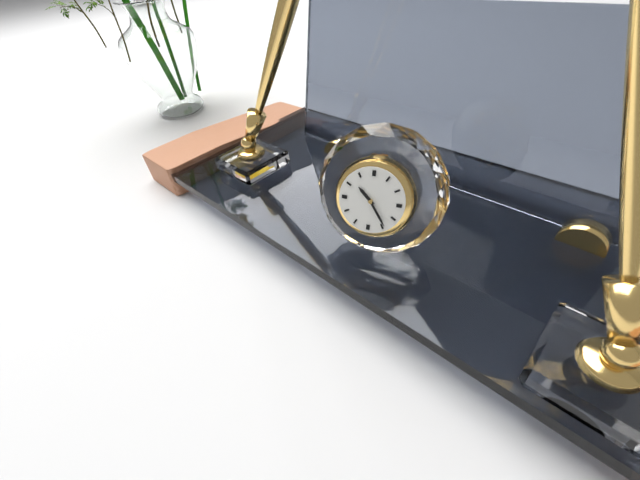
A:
10 h 24 min
